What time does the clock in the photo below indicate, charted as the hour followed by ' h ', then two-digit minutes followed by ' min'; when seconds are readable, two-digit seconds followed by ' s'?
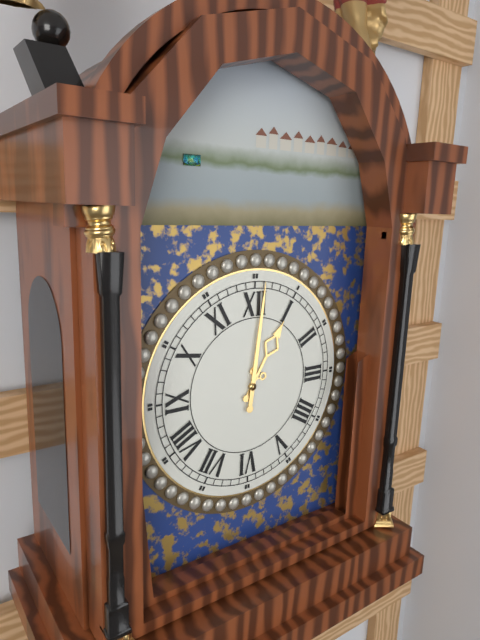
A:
1 h 01 min
